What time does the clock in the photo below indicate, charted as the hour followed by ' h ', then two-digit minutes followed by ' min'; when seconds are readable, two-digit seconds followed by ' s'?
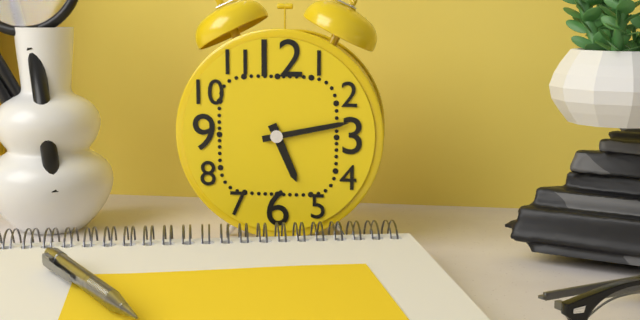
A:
5 h 13 min
